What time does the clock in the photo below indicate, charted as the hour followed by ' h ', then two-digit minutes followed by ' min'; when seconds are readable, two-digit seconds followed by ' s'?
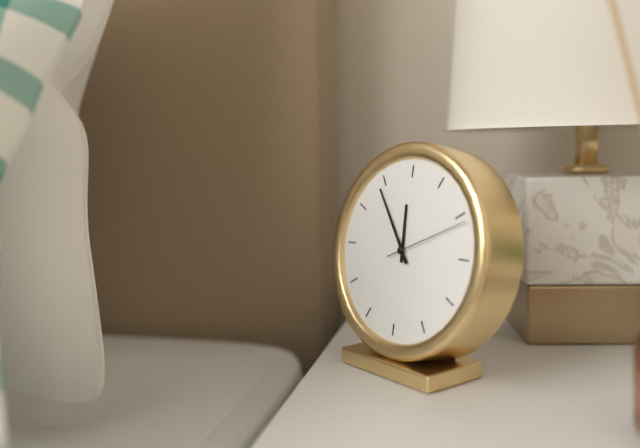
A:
11 h 54 min 11 s
